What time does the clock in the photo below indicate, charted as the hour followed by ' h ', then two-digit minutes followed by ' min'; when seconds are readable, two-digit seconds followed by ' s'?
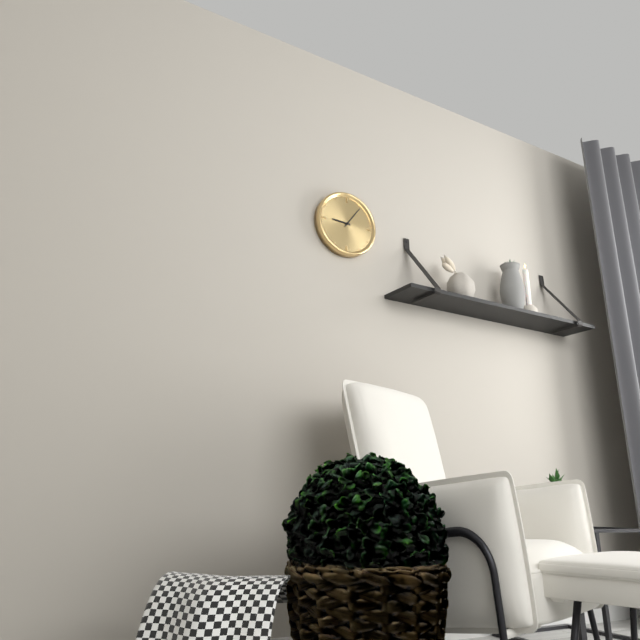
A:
9 h 06 min
